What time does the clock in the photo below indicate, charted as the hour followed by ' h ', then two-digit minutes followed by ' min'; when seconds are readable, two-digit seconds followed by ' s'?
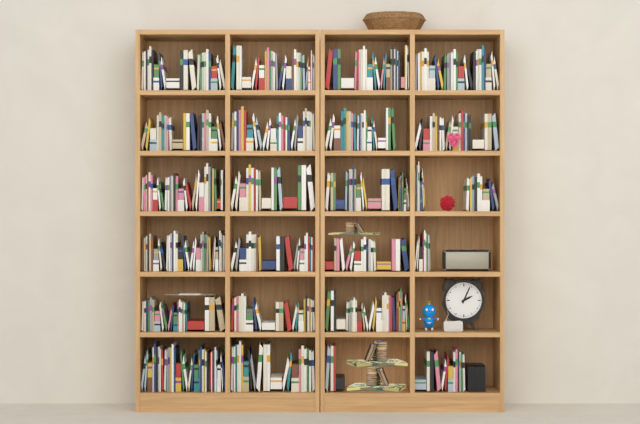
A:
2 h 04 min
